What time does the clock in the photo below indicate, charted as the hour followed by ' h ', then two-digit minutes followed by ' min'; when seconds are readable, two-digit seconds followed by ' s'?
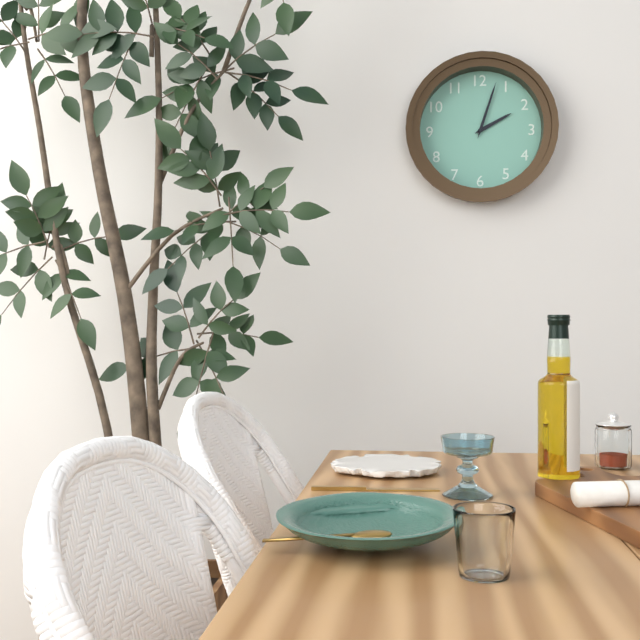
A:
2 h 03 min
